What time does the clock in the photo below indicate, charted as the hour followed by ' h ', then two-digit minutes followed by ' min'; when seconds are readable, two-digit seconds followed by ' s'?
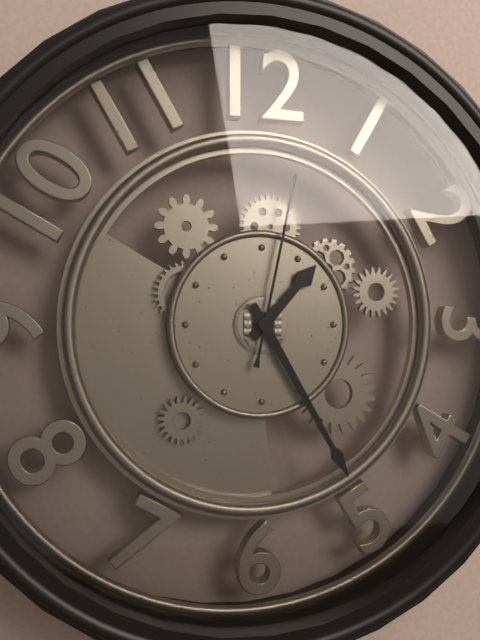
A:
1 h 25 min 02 s
